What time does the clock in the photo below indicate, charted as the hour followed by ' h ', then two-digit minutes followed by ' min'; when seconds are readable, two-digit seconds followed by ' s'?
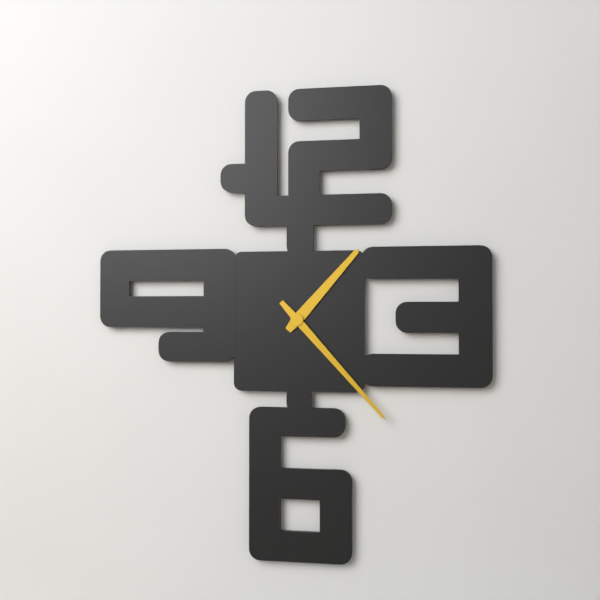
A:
1 h 23 min
